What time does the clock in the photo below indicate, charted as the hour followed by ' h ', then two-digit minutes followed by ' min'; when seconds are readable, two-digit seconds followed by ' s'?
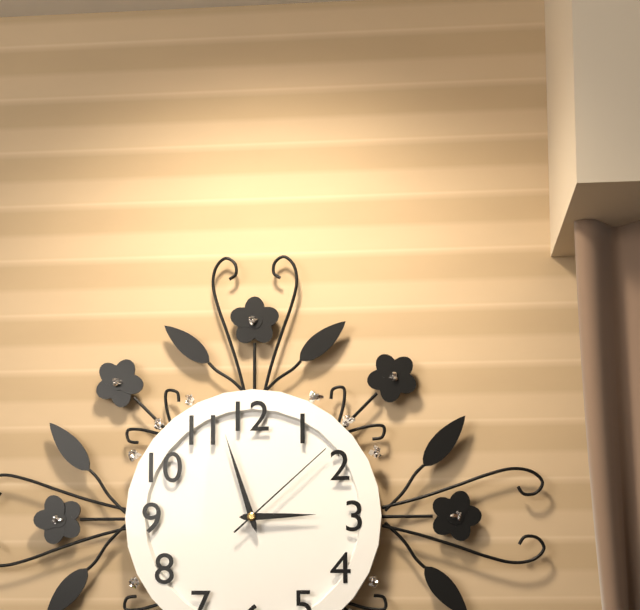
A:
2 h 57 min 08 s
